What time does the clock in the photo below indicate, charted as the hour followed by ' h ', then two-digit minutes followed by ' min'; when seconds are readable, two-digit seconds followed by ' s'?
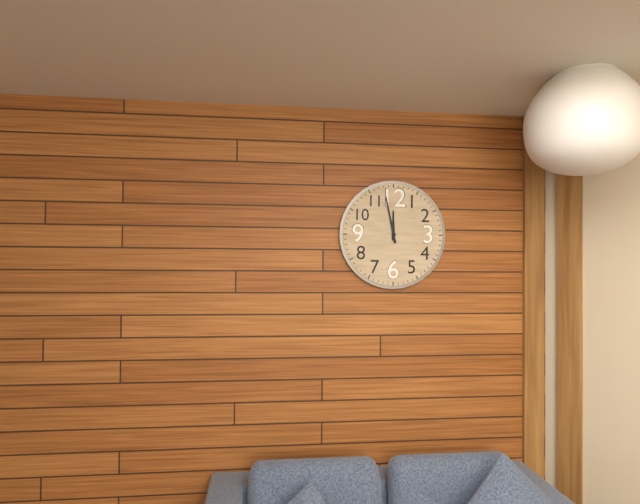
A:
11 h 58 min
